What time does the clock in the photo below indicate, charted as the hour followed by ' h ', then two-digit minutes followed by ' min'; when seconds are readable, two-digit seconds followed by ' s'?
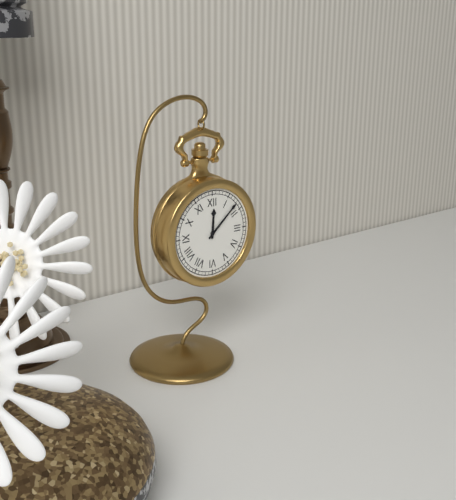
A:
12 h 08 min
